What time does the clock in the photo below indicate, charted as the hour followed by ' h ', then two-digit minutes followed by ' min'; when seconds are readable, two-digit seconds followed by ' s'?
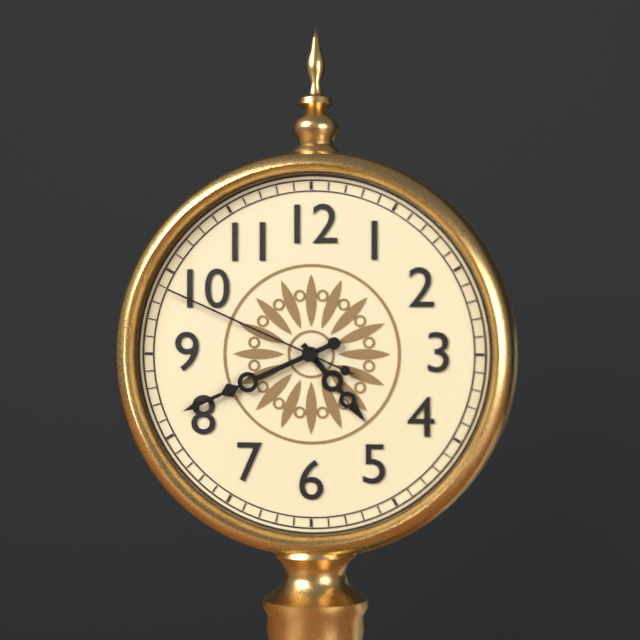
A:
4 h 41 min 49 s
